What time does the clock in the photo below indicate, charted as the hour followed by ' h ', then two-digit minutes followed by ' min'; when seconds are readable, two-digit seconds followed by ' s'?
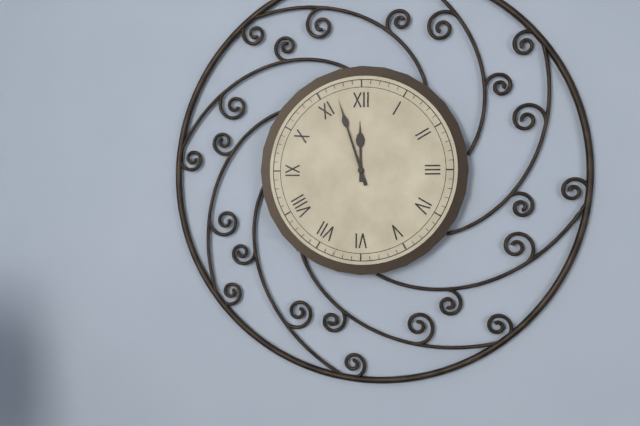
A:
11 h 57 min
